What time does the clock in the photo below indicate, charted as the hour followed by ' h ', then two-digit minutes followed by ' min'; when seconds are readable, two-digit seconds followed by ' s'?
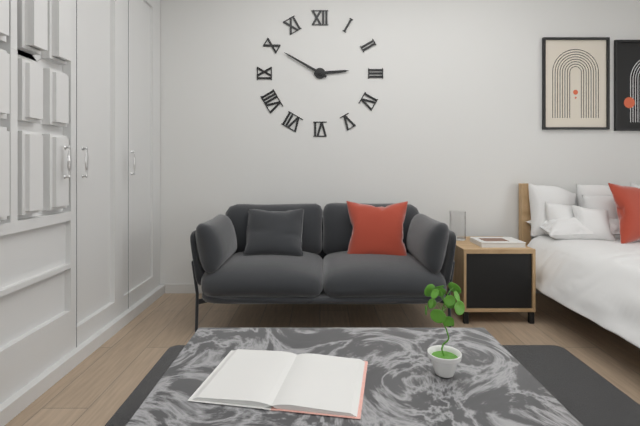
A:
2 h 50 min
